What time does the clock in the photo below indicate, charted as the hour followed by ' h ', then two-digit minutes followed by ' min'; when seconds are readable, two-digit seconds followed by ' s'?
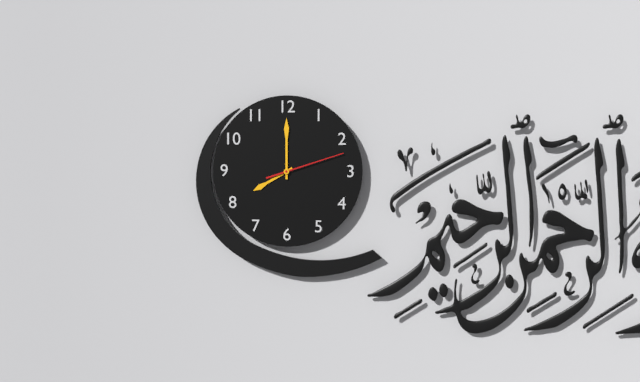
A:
8 h 00 min 12 s
